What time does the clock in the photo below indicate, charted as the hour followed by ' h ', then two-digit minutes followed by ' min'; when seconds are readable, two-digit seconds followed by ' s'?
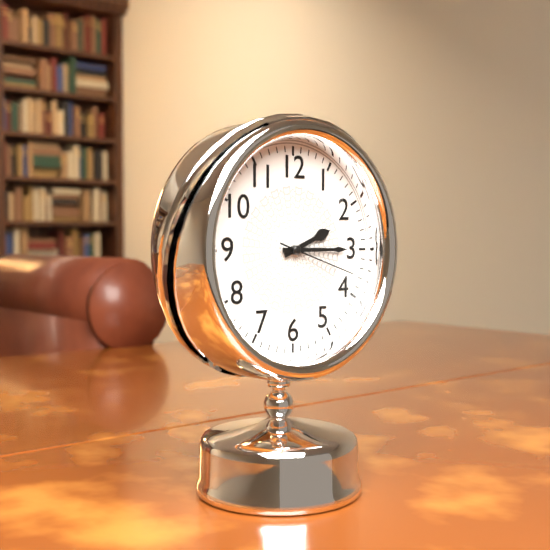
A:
2 h 15 min 18 s
